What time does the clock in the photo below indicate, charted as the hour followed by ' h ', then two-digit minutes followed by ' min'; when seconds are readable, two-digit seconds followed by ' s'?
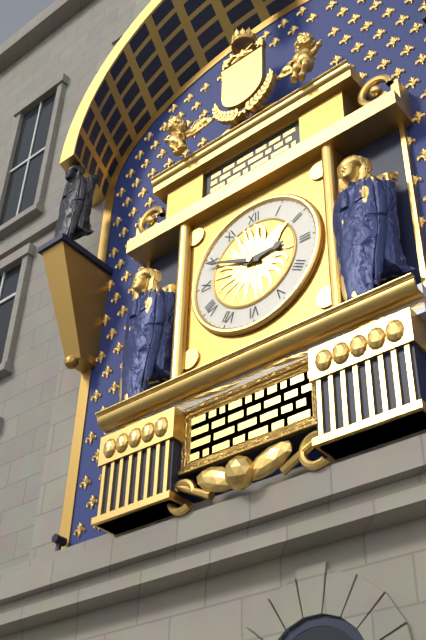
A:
2 h 49 min
